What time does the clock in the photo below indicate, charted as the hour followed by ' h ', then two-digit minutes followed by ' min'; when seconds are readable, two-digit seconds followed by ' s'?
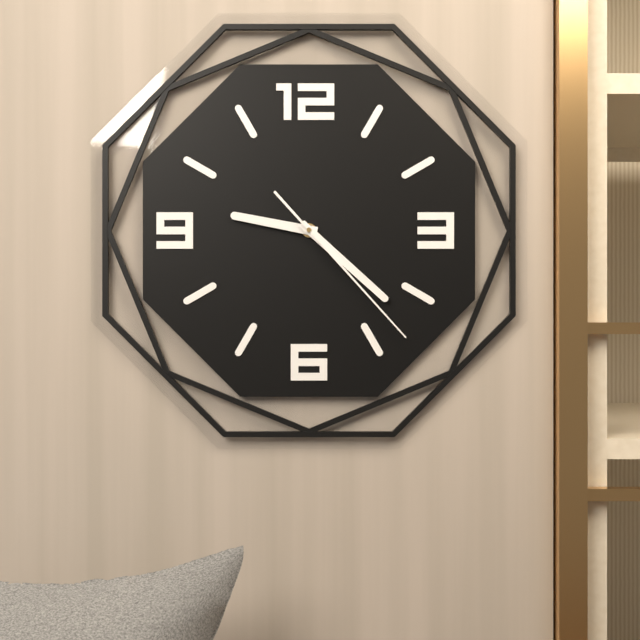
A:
9 h 22 min 23 s
